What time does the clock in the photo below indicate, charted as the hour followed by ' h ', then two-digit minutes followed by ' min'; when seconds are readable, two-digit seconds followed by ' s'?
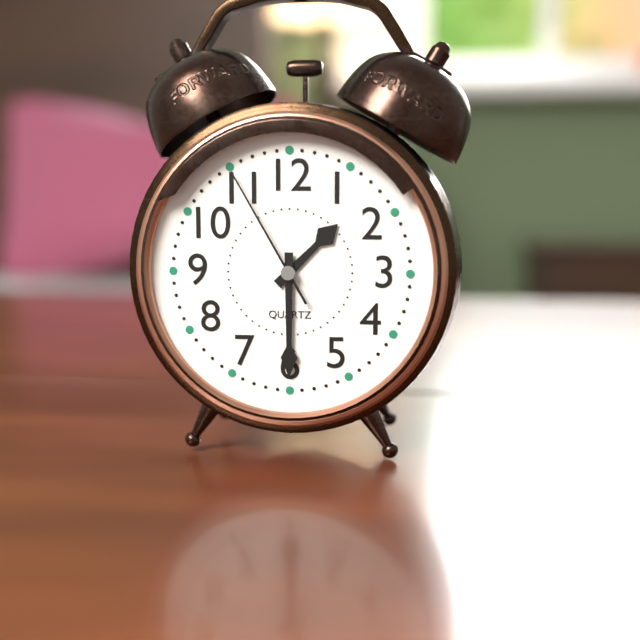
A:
1 h 30 min 55 s
